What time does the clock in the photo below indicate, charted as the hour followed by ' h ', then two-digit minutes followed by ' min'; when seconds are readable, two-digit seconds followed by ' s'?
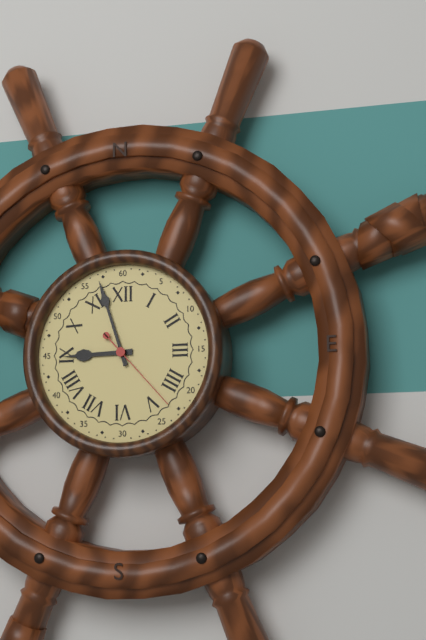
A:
8 h 57 min 23 s
